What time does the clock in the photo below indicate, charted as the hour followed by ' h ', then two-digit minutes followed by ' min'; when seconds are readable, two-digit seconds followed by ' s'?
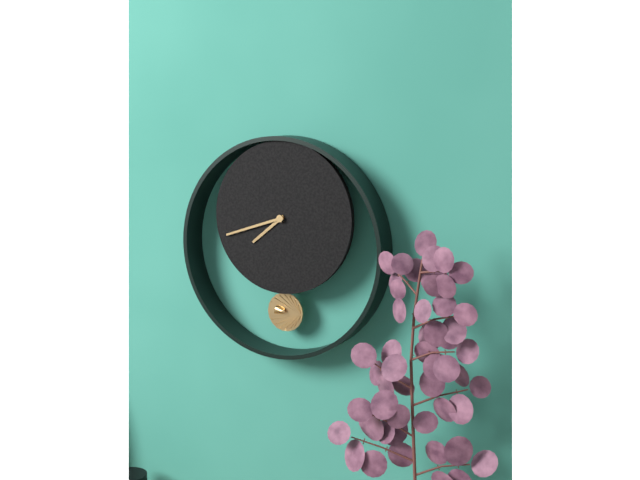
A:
7 h 42 min
